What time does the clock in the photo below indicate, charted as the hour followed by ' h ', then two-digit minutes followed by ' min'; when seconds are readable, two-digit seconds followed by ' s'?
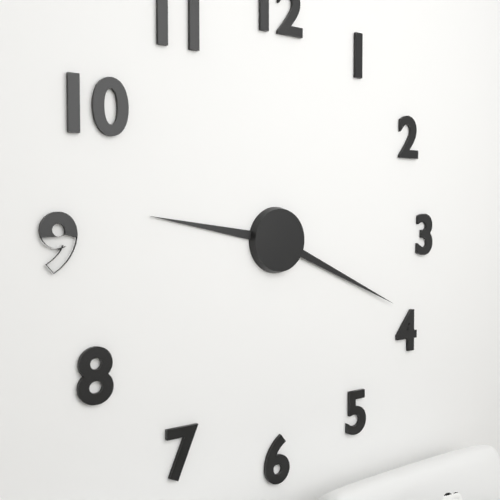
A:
9 h 19 min
